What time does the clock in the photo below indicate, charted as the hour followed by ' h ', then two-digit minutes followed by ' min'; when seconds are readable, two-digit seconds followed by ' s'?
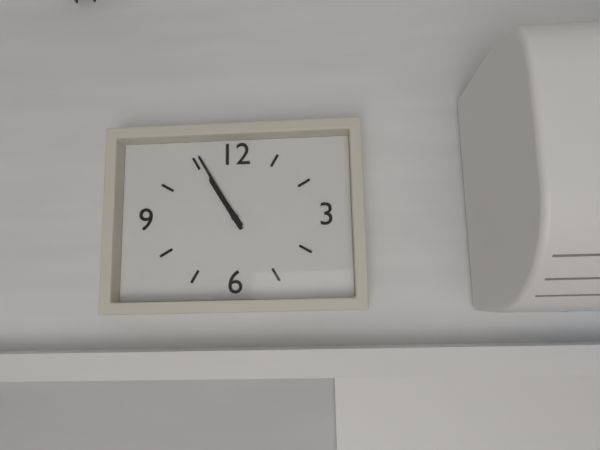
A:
10 h 55 min
